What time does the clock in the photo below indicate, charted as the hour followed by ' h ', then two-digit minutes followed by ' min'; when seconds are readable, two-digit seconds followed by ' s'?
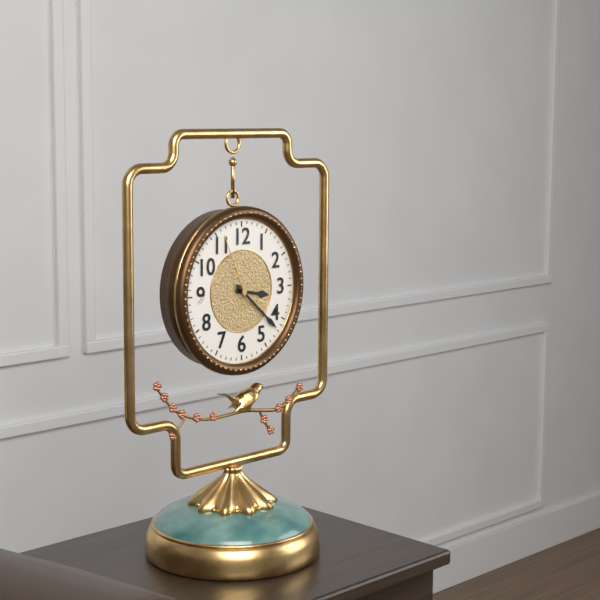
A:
3 h 22 min 56 s
